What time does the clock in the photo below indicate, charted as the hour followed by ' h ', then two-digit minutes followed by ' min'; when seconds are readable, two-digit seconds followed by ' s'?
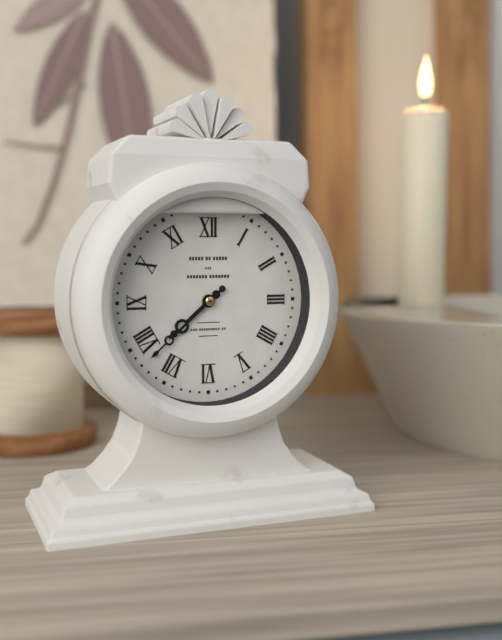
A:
7 h 38 min
